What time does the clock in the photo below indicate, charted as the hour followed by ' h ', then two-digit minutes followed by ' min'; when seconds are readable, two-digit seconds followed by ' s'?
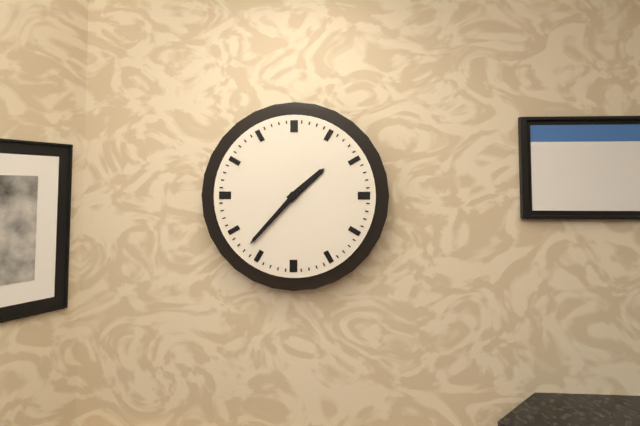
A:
1 h 37 min
